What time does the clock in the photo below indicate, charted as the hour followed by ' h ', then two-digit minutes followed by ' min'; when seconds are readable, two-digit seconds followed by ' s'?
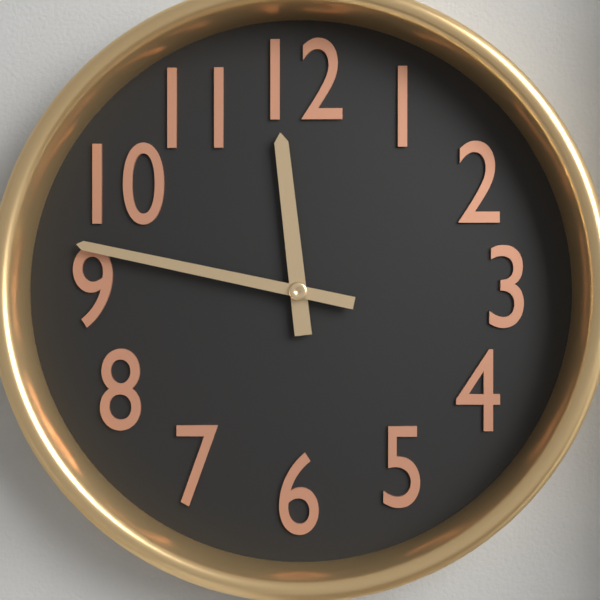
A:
11 h 47 min
